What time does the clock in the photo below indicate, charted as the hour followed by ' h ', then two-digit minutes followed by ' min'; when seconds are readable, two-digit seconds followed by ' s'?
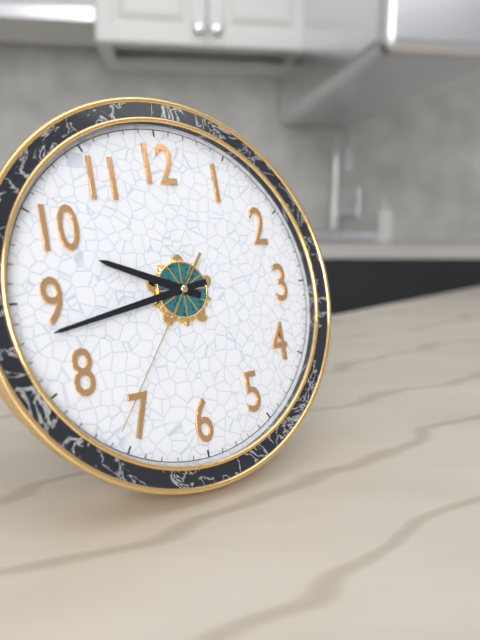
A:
9 h 43 min 36 s
